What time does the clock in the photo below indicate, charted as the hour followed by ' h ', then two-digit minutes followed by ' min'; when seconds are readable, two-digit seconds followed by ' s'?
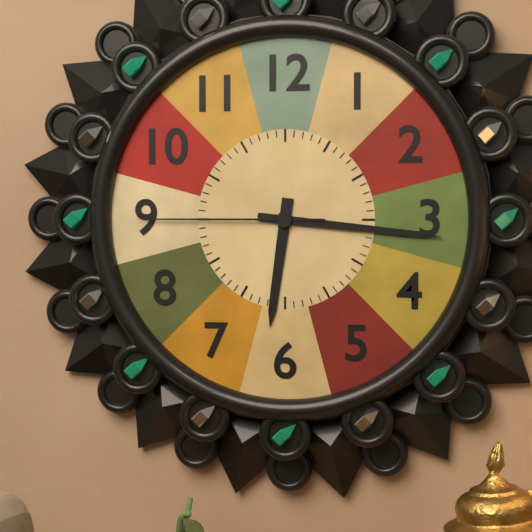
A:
6 h 16 min 45 s
